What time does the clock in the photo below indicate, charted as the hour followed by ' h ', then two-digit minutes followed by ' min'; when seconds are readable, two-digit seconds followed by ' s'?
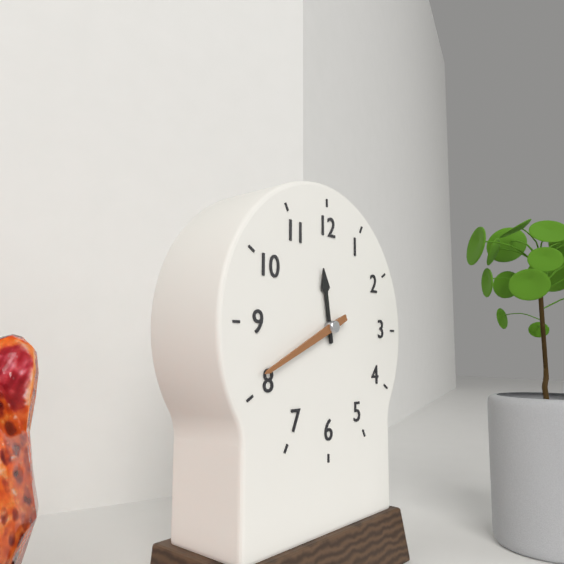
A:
11 h 41 min
